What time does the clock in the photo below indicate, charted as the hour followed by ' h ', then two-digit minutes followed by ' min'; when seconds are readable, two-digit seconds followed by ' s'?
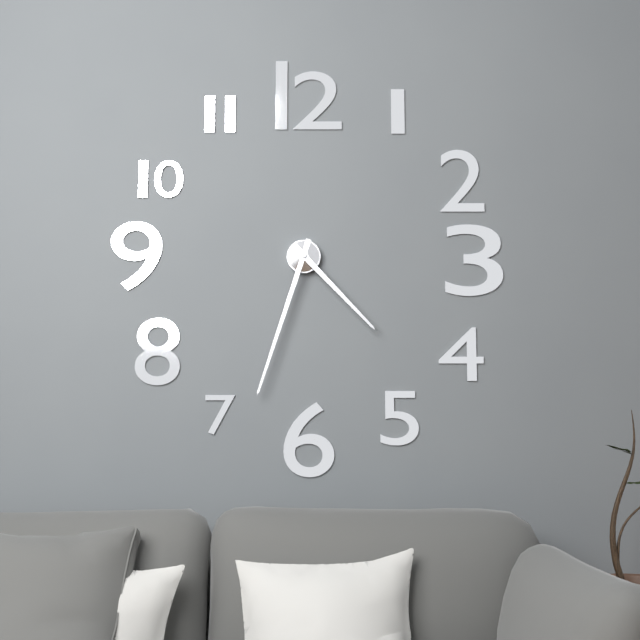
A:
4 h 33 min
